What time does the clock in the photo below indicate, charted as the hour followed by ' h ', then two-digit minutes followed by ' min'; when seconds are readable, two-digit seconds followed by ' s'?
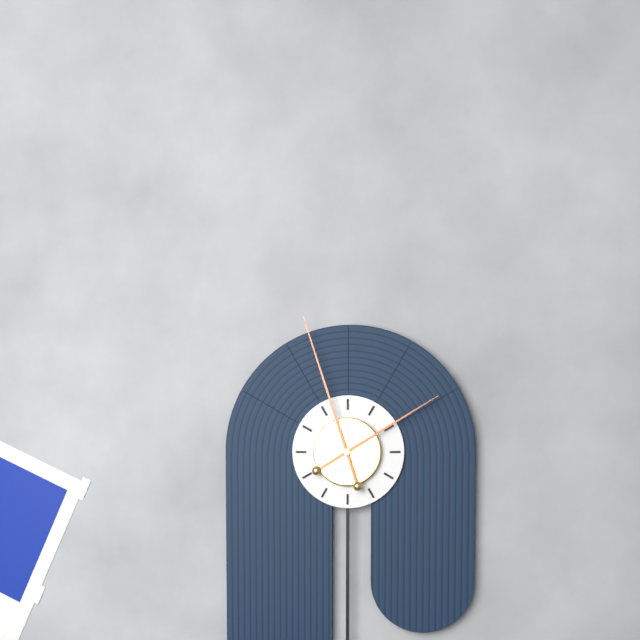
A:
1 h 57 min
